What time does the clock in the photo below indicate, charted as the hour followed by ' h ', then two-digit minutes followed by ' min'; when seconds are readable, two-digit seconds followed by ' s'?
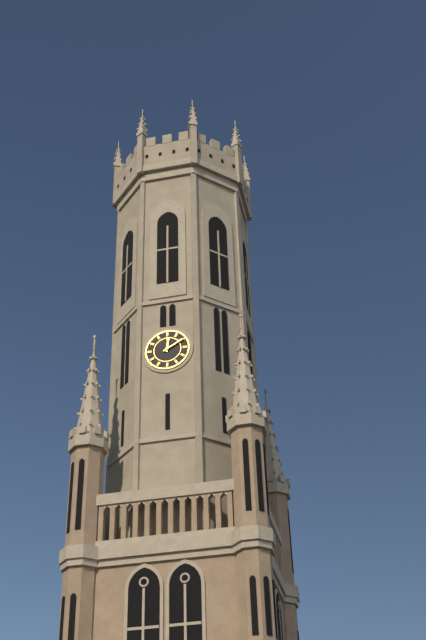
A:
12 h 10 min
